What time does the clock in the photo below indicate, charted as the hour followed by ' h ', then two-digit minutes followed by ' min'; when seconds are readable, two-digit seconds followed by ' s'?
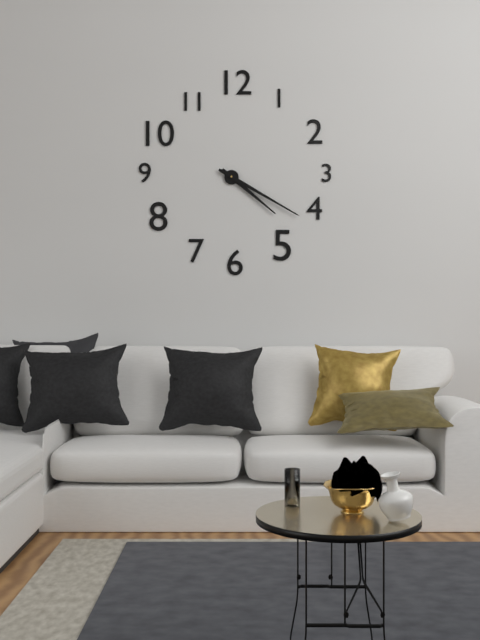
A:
4 h 20 min
